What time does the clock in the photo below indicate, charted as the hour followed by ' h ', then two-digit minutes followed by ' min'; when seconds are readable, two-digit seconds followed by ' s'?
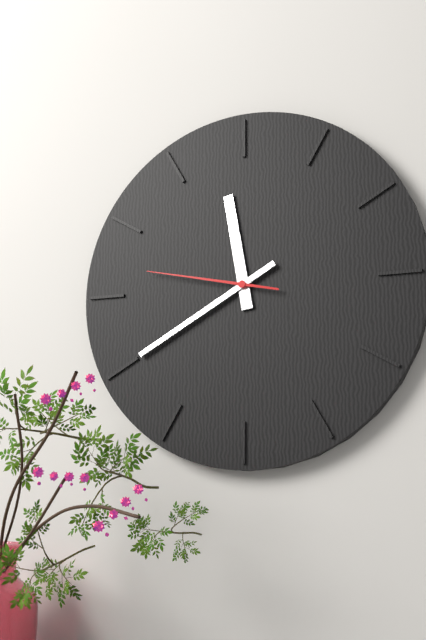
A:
11 h 40 min 47 s
